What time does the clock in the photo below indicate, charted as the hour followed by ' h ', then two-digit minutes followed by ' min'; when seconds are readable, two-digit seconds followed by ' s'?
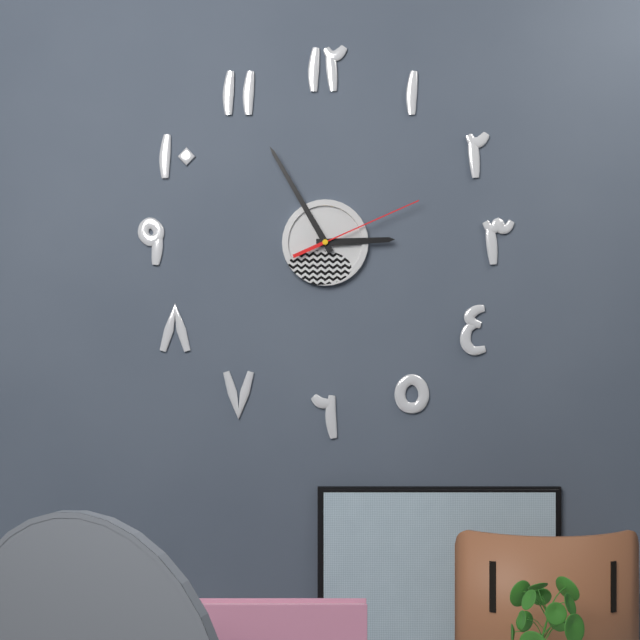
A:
2 h 55 min 11 s
